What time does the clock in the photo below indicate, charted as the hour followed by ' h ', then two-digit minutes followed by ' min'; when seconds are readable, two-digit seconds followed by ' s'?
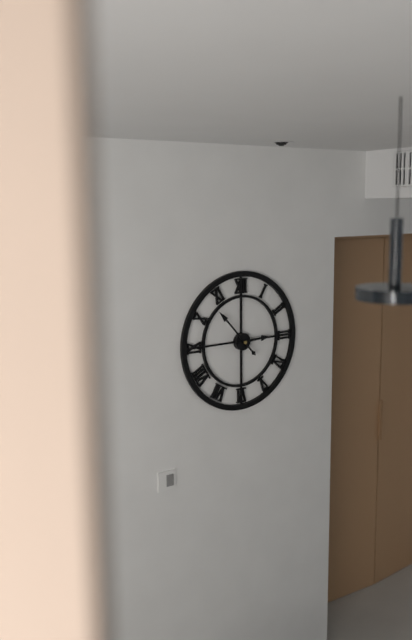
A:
2 h 53 min
